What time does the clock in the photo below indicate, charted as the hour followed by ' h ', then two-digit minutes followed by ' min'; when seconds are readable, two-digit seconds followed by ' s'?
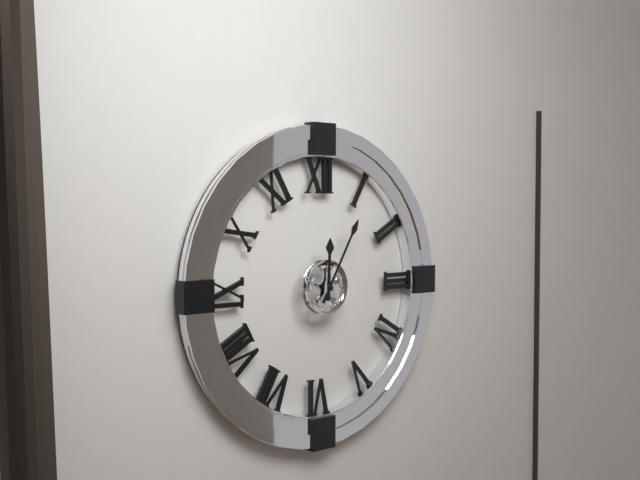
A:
12 h 05 min
